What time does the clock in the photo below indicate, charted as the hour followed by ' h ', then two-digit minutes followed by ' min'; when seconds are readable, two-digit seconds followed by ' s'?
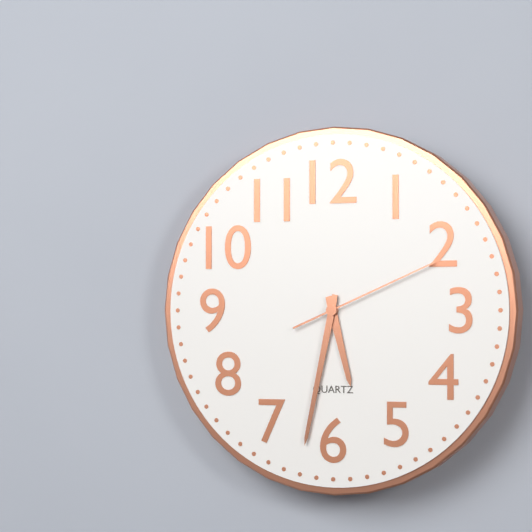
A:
5 h 32 min 11 s
